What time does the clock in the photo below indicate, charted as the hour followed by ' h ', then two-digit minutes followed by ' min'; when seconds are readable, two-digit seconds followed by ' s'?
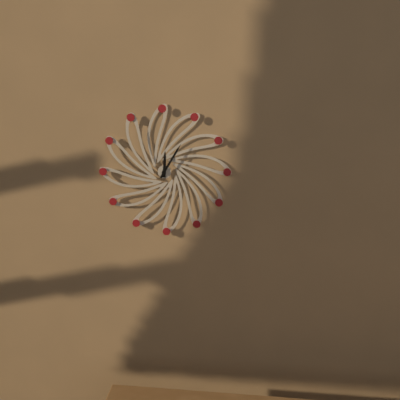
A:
12 h 05 min
